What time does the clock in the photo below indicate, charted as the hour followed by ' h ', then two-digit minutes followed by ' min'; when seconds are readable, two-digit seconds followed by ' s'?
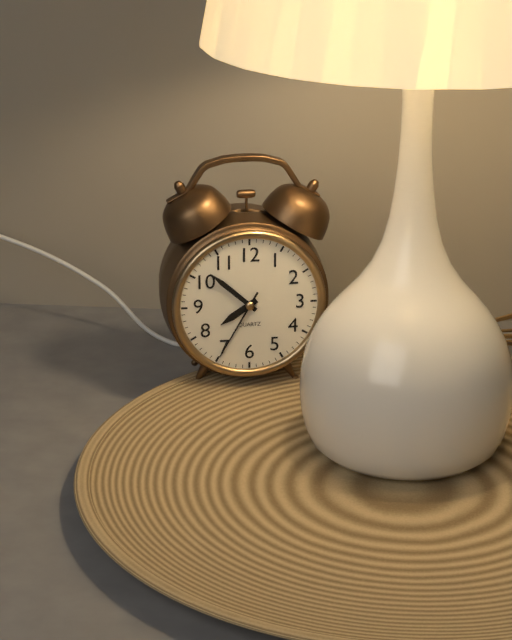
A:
7 h 52 min 35 s
